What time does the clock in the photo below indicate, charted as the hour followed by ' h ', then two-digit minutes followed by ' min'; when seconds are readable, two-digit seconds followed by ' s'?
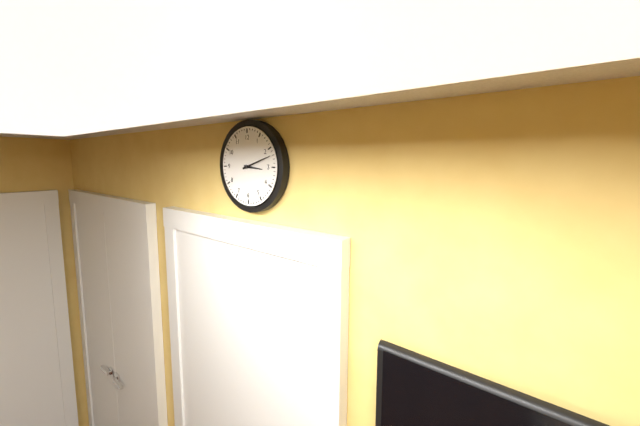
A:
3 h 12 min
